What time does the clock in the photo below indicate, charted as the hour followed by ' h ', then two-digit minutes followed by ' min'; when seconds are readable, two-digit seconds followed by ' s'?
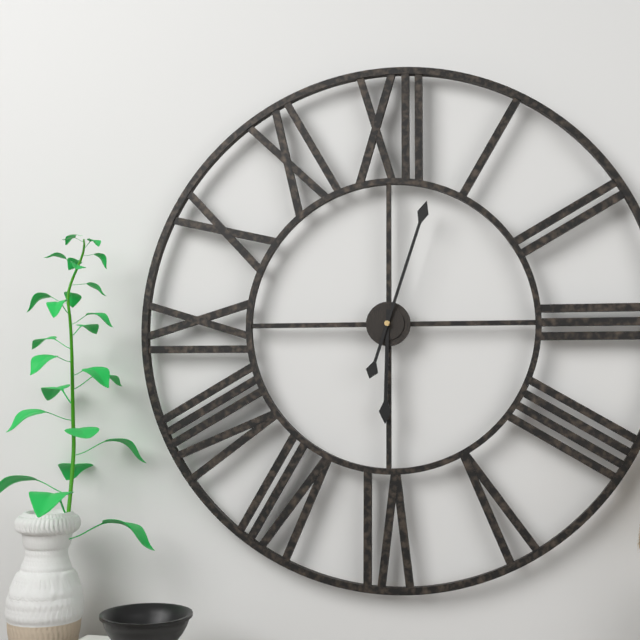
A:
6 h 03 min
